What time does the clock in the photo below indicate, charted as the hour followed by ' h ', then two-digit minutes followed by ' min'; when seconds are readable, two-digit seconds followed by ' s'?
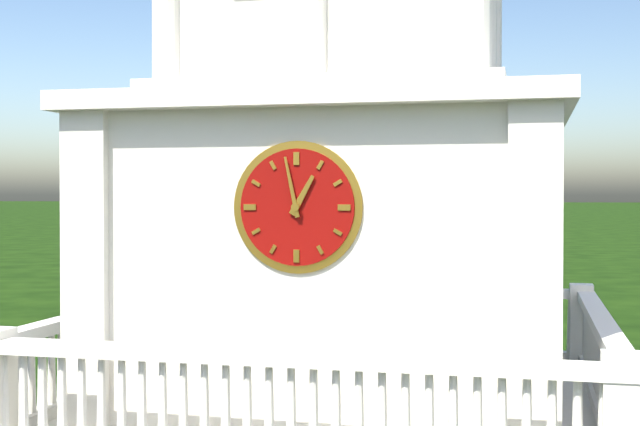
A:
12 h 58 min
